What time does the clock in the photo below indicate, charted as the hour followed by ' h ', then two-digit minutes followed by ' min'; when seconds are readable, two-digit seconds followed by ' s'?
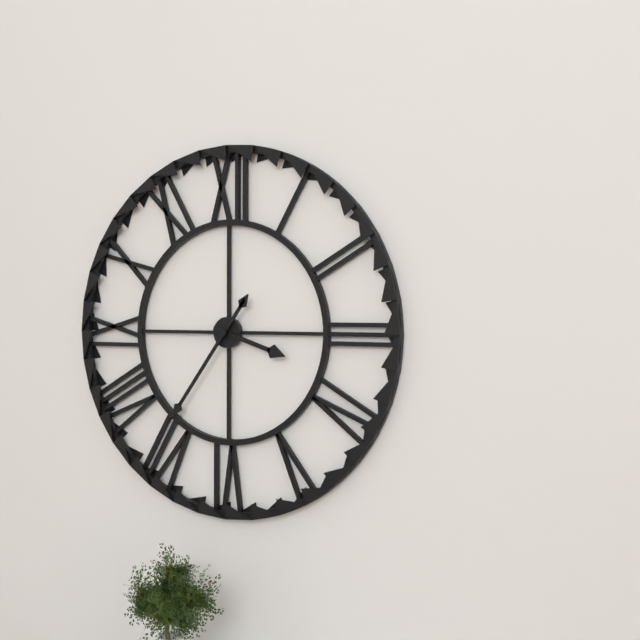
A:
3 h 36 min
